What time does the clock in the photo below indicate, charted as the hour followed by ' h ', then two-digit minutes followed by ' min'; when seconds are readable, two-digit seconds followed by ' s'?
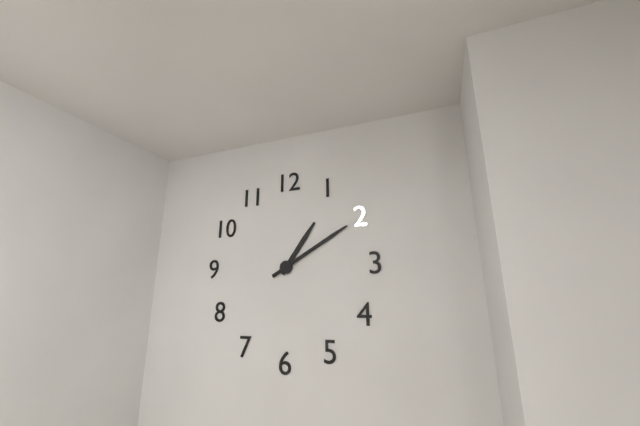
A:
1 h 10 min
